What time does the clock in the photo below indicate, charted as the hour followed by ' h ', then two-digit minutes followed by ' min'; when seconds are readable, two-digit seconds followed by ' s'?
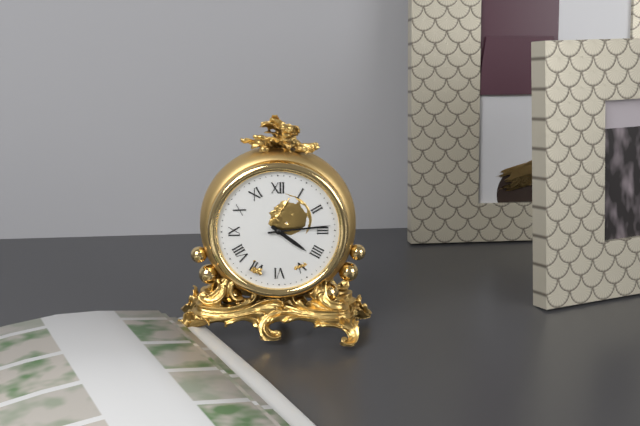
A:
4 h 14 min
